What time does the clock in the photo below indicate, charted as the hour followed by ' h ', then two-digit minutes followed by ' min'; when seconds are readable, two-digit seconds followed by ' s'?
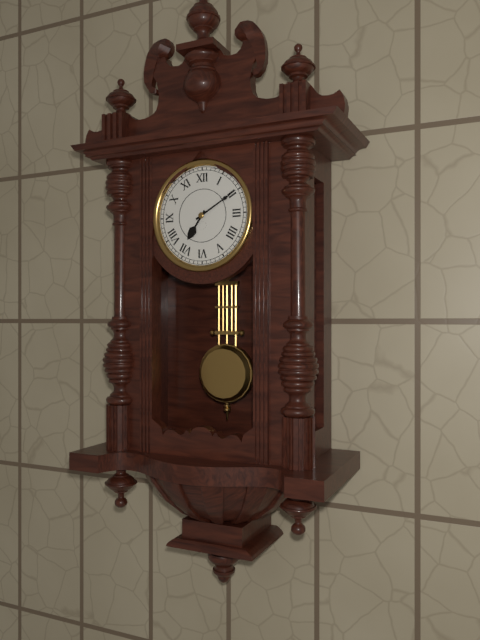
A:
7 h 10 min
